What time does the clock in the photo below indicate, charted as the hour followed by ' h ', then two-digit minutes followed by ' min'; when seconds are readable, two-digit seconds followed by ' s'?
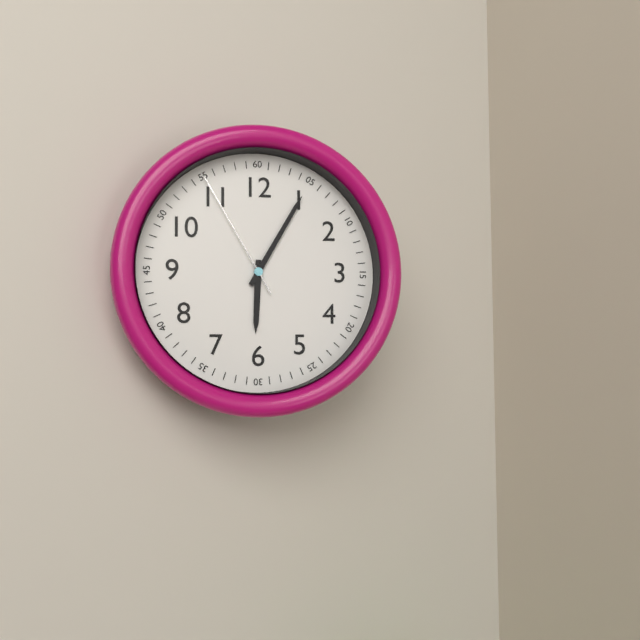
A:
6 h 05 min 55 s
